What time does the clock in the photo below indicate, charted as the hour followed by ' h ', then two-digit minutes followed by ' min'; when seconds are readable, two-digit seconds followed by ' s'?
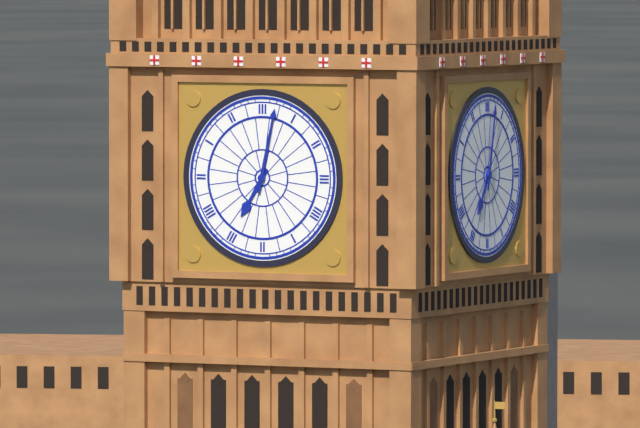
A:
7 h 02 min
